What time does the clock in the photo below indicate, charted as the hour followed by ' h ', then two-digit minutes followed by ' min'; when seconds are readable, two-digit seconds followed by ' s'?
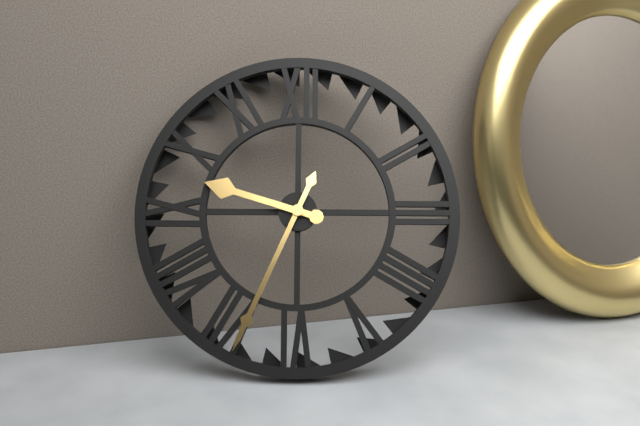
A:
9 h 34 min
